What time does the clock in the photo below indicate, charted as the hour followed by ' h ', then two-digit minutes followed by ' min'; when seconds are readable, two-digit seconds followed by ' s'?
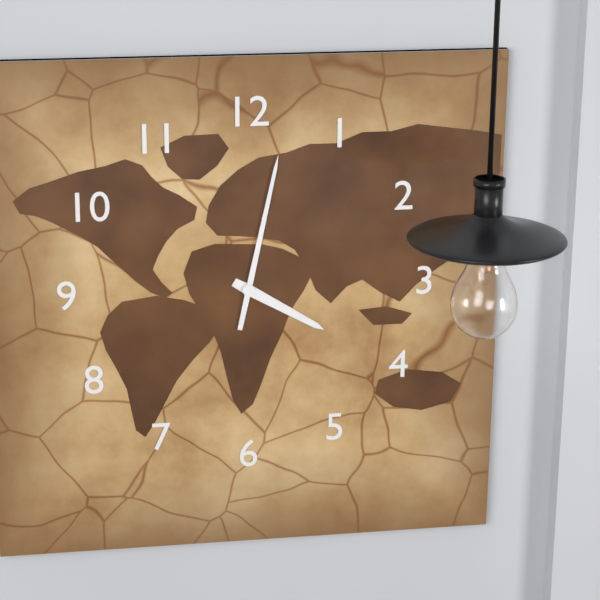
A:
4 h 02 min
